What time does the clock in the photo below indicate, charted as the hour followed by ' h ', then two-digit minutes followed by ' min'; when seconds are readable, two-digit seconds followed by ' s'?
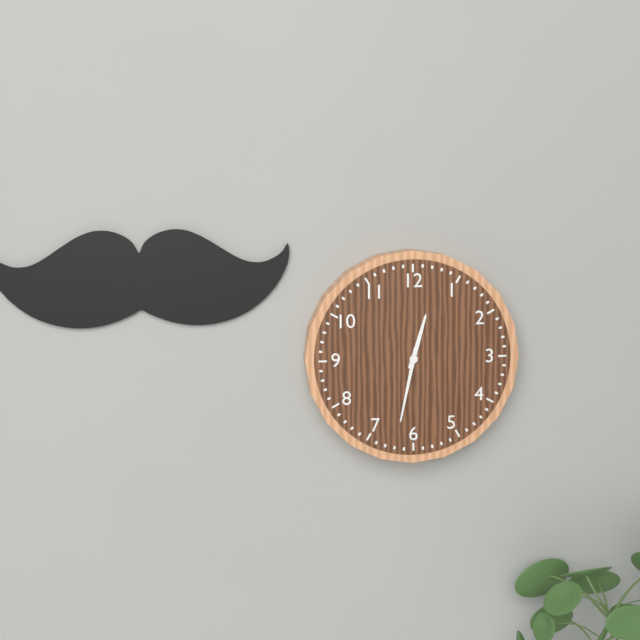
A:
12 h 32 min
